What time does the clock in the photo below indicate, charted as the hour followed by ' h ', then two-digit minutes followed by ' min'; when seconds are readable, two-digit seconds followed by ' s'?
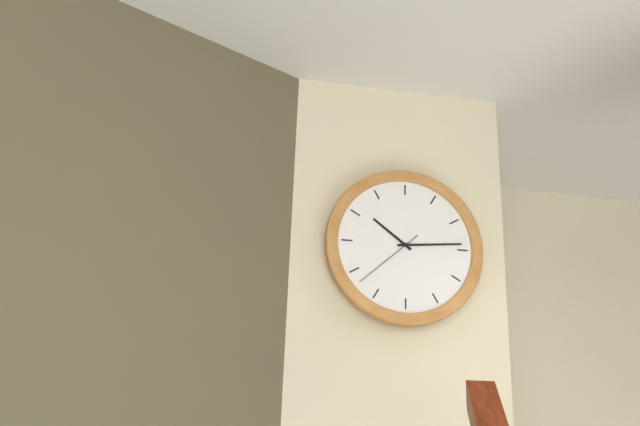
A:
10 h 14 min 38 s
